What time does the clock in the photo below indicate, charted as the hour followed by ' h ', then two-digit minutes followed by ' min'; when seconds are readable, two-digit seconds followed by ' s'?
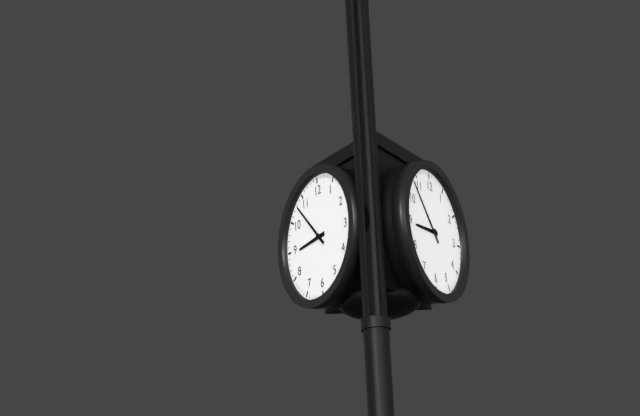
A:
8 h 53 min
